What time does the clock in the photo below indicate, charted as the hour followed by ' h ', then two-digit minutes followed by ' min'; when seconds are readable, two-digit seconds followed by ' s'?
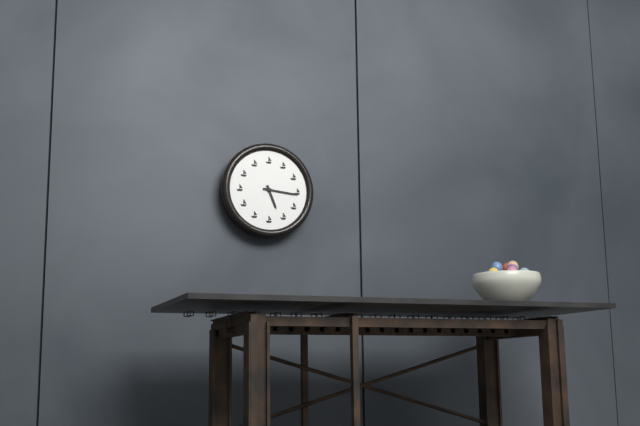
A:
5 h 16 min
